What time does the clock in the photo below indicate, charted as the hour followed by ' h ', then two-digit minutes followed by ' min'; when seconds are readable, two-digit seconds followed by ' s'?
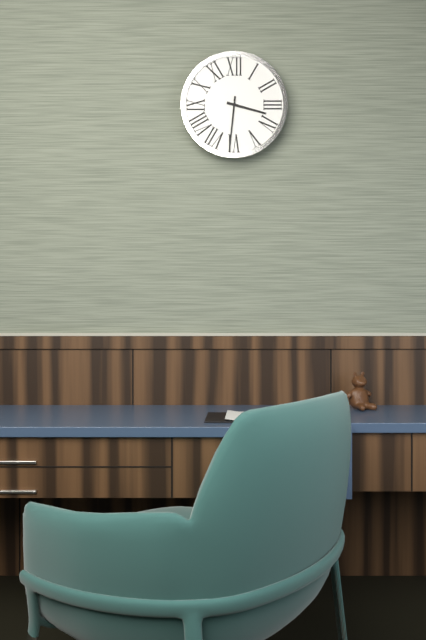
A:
3 h 31 min
